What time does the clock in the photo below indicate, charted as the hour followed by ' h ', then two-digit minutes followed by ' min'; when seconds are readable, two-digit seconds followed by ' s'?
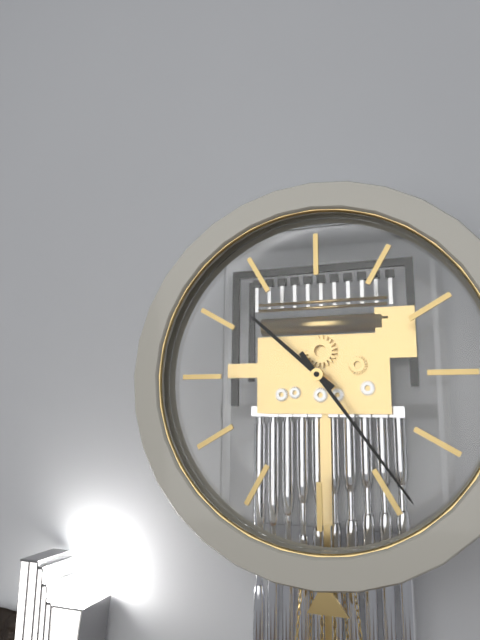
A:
10 h 24 min
